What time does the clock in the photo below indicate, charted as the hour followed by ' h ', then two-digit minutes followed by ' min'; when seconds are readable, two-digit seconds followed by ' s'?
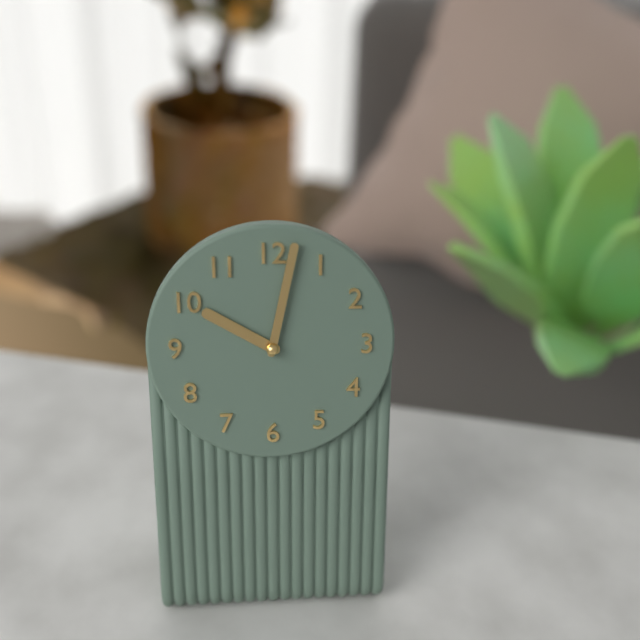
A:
10 h 02 min
